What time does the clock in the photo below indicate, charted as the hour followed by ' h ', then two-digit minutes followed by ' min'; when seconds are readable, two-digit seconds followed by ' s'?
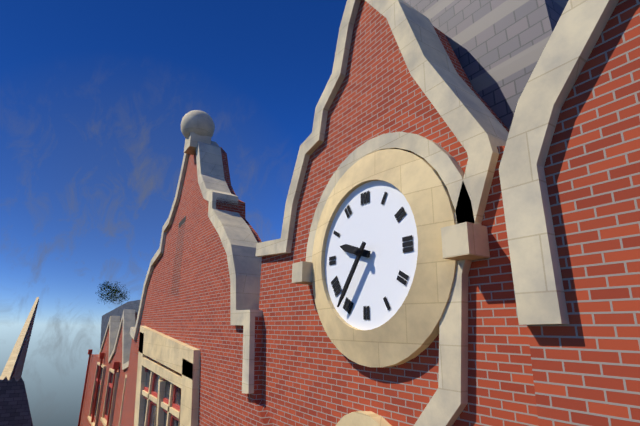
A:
9 h 36 min
